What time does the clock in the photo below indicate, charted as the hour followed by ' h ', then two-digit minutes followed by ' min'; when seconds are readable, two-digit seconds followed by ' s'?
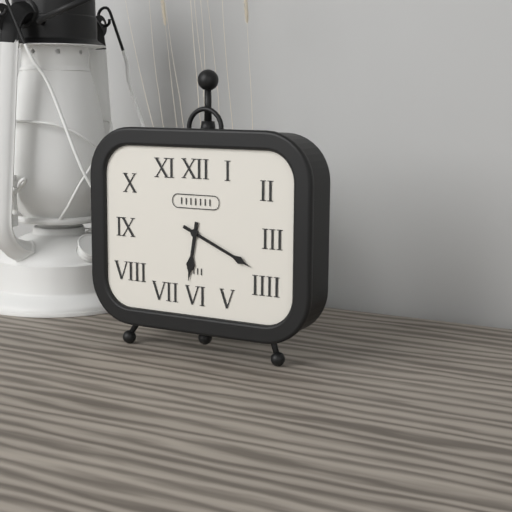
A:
6 h 19 min
